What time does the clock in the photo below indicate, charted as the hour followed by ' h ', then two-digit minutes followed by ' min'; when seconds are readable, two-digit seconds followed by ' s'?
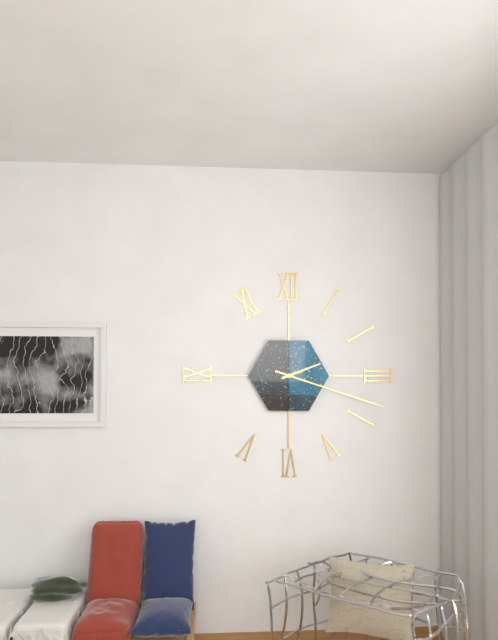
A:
2 h 18 min
